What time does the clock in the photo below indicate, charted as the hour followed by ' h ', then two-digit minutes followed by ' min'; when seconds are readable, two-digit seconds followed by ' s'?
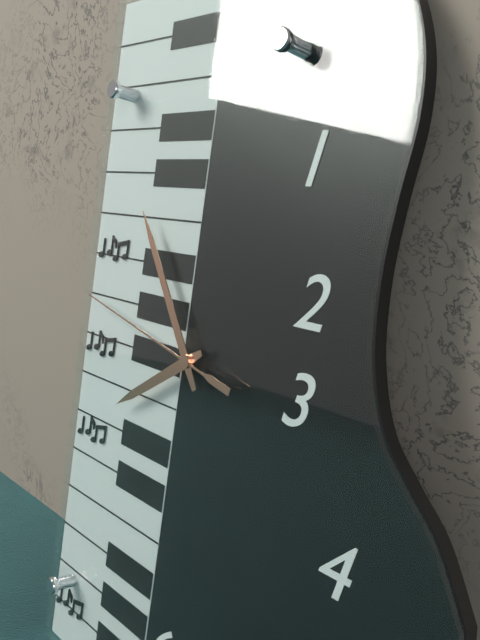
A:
7 h 54 min 47 s
